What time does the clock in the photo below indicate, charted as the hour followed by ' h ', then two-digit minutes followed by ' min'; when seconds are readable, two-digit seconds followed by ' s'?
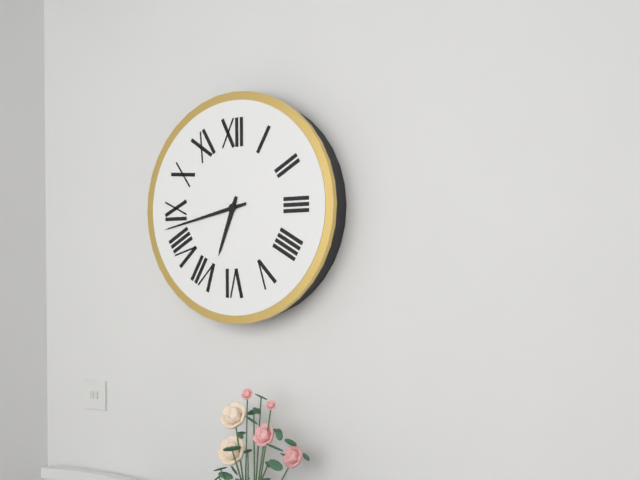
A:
6 h 43 min
